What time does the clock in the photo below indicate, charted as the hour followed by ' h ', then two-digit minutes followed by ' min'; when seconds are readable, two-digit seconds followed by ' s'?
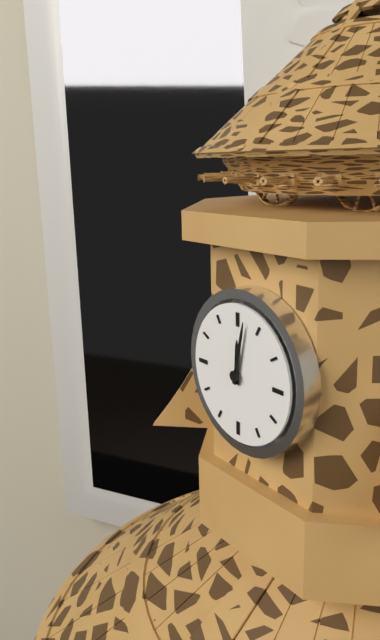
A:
12 h 02 min
